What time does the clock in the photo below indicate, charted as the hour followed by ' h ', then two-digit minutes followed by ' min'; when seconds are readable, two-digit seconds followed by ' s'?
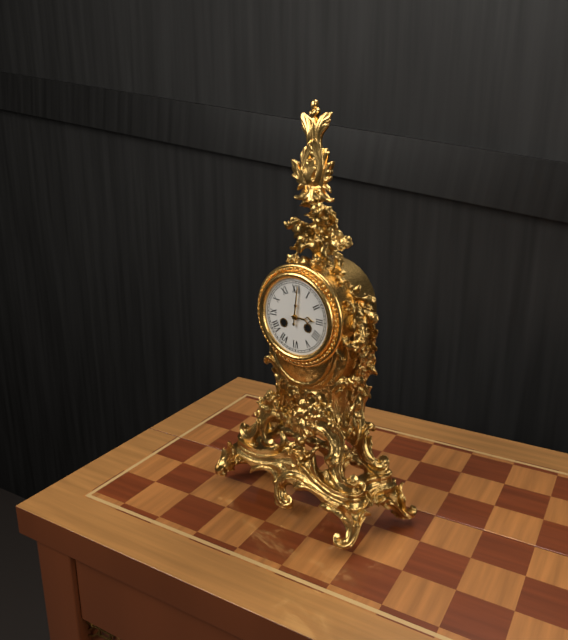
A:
3 h 01 min
